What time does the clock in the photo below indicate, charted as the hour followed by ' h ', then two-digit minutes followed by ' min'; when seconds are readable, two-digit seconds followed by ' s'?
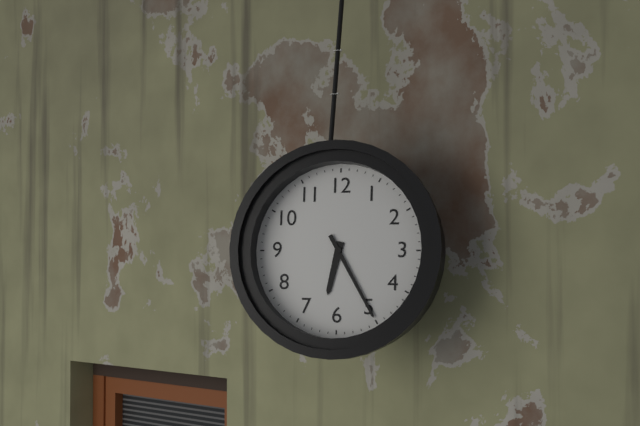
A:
6 h 25 min
